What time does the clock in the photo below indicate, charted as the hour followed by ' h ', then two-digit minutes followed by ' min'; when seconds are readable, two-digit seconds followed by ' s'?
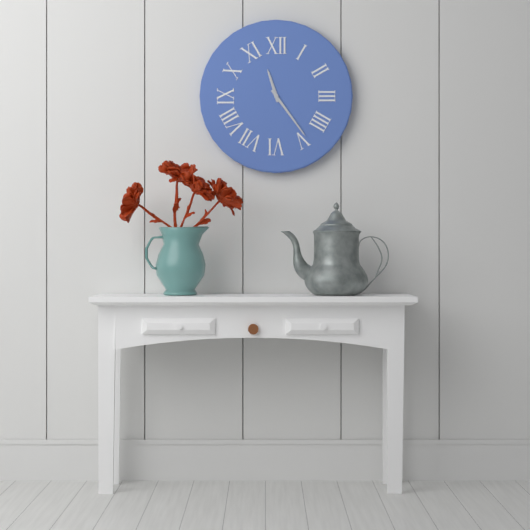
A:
11 h 24 min
